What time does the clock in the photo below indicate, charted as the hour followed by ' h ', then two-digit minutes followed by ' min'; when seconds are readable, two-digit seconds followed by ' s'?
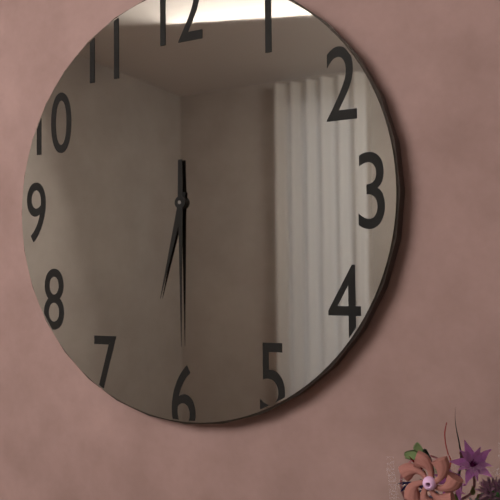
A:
6 h 30 min
